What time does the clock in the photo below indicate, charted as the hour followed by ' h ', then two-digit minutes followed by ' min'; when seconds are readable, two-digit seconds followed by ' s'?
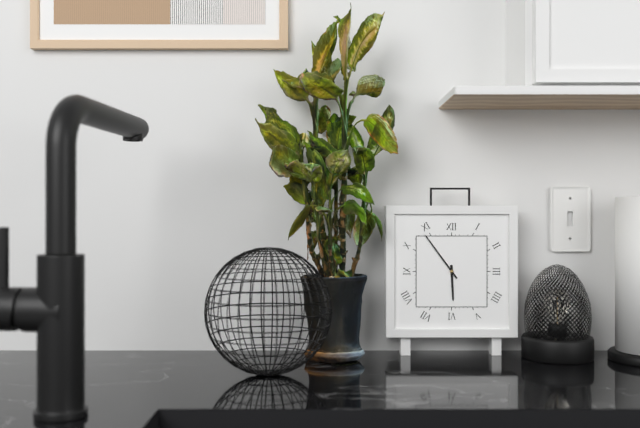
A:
5 h 54 min
